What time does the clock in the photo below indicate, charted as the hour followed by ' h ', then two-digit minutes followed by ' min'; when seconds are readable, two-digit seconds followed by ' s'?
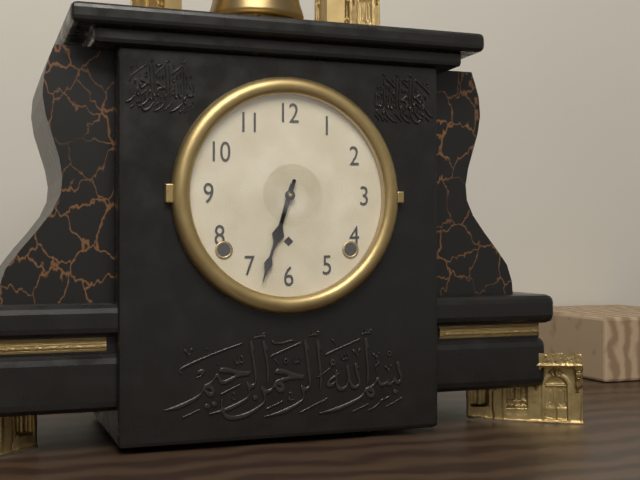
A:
6 h 33 min
